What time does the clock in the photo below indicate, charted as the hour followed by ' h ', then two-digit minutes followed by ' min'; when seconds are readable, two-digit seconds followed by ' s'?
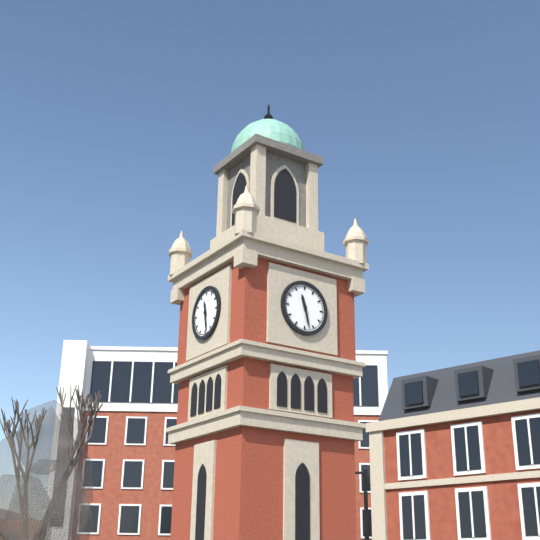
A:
11 h 28 min
